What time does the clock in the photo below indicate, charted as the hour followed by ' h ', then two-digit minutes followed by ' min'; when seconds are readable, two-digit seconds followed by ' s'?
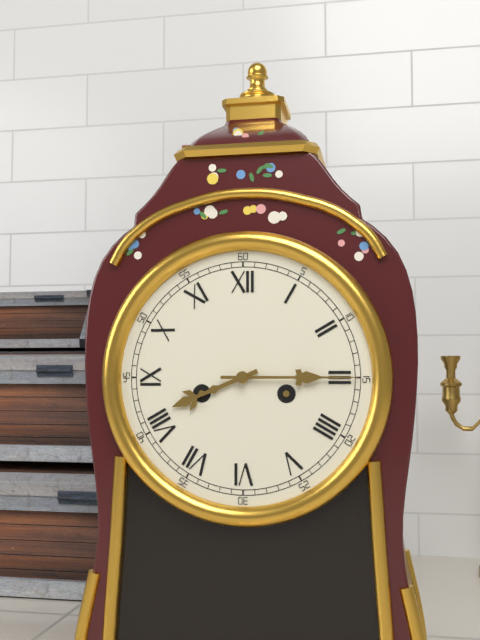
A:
8 h 15 min
